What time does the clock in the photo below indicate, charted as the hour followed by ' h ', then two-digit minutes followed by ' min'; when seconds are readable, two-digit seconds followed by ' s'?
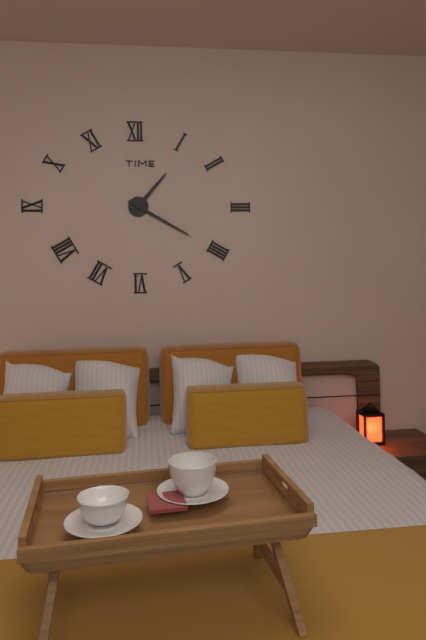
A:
1 h 20 min
